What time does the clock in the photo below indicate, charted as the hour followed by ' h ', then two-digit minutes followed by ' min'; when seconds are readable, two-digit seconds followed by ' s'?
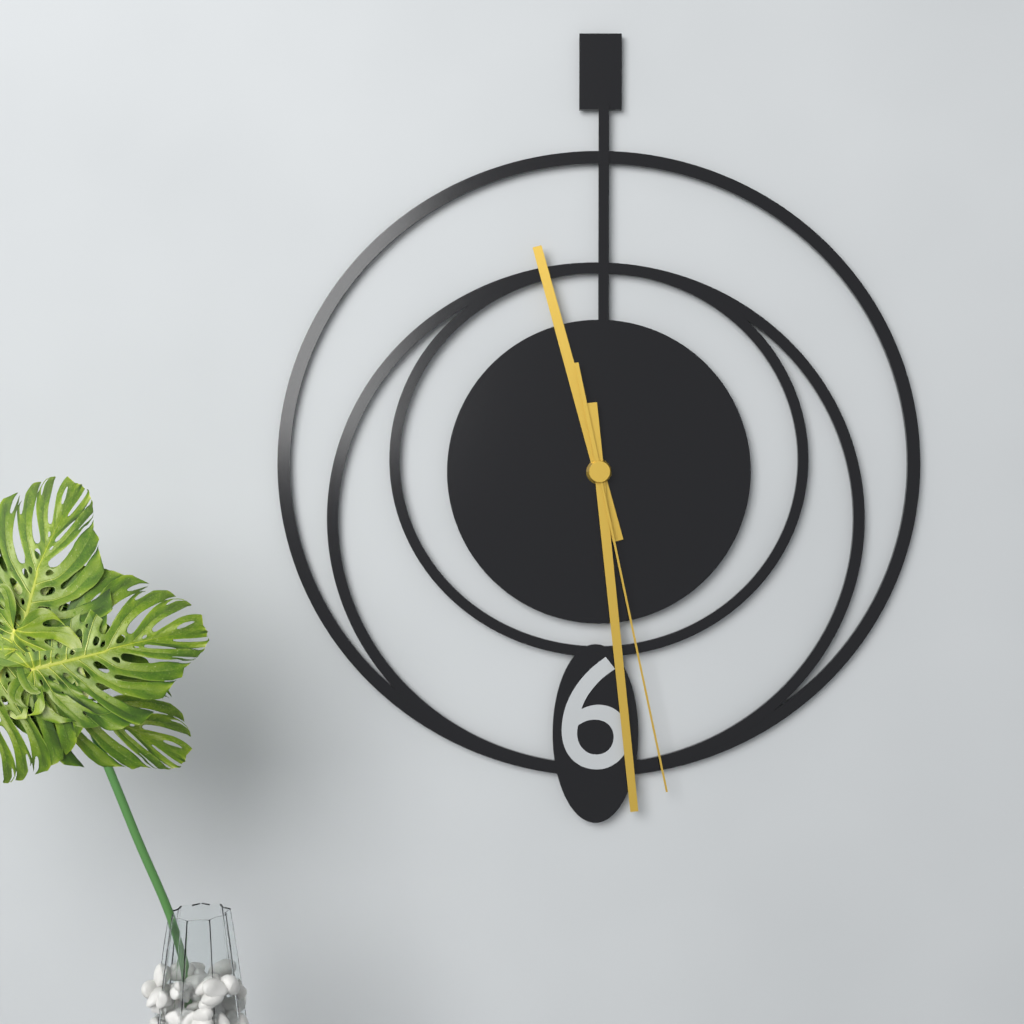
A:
11 h 29 min 28 s
